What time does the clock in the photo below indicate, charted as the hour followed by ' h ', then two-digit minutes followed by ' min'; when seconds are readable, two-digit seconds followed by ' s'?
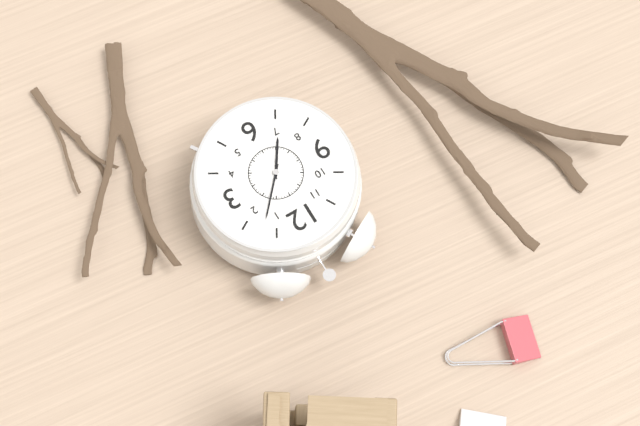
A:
7 h 07 min
